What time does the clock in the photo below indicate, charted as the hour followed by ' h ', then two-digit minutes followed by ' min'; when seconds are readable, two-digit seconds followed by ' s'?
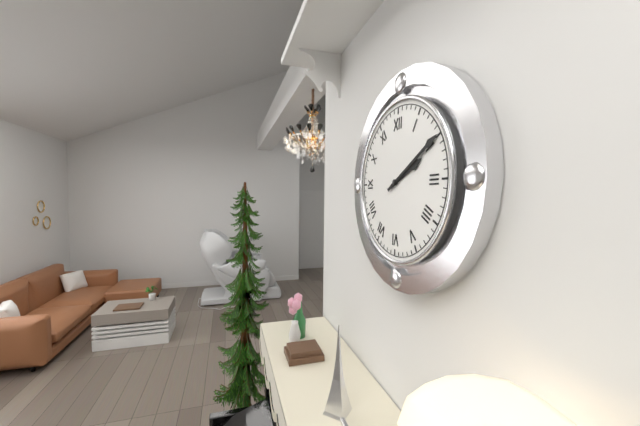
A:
2 h 10 min
